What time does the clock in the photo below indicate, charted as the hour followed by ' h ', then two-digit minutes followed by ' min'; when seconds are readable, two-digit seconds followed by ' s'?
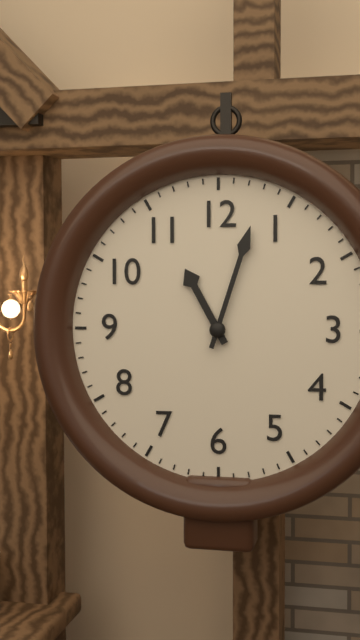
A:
11 h 03 min
